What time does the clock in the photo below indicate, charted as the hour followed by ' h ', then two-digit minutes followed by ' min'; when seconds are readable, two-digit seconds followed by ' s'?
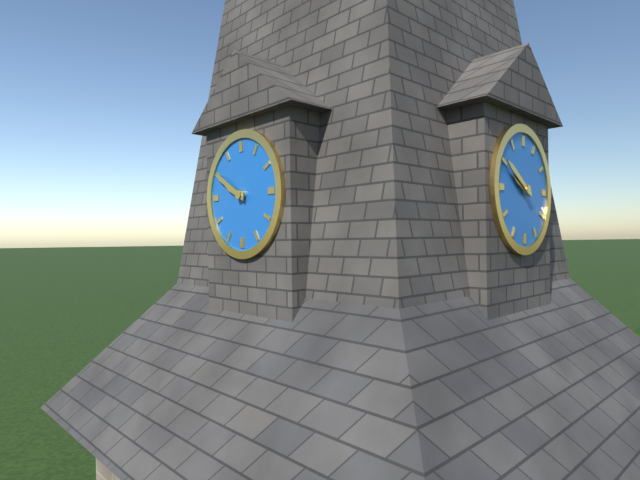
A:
9 h 50 min
